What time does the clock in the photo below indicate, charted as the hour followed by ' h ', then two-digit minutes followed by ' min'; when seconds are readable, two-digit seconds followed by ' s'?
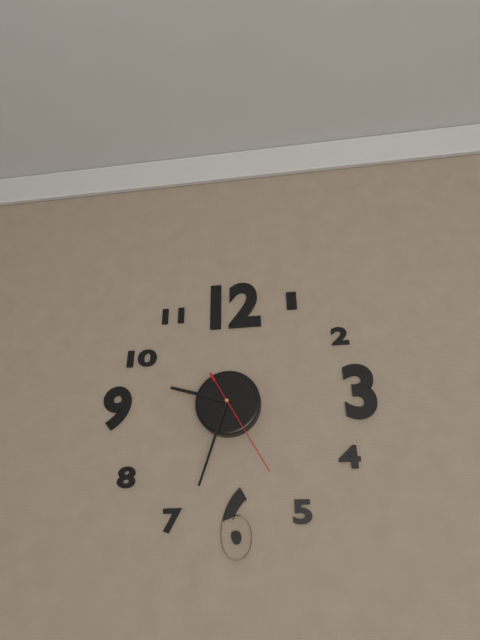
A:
9 h 33 min 25 s
